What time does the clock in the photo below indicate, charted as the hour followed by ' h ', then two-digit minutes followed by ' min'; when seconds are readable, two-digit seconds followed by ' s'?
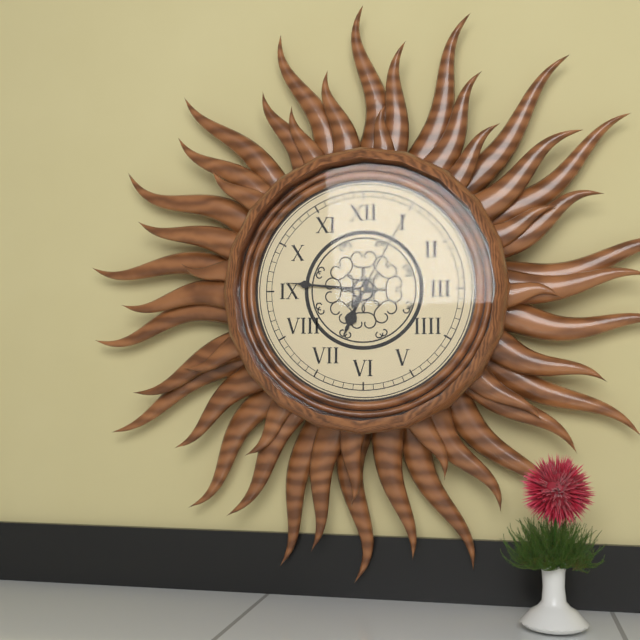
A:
6 h 46 min 05 s
